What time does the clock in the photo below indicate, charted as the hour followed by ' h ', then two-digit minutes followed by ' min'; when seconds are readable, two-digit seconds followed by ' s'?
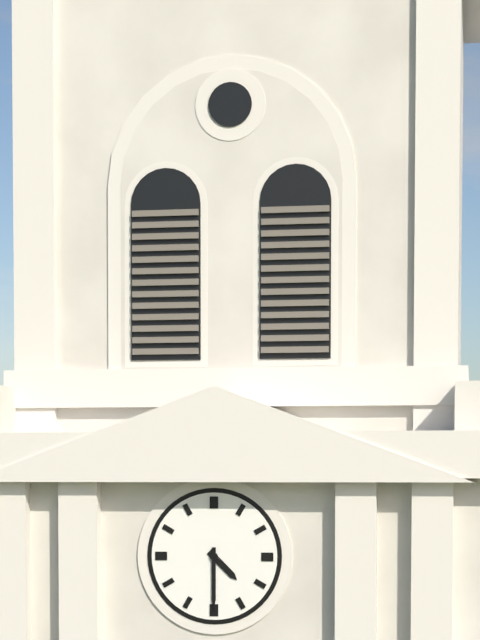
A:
4 h 30 min
